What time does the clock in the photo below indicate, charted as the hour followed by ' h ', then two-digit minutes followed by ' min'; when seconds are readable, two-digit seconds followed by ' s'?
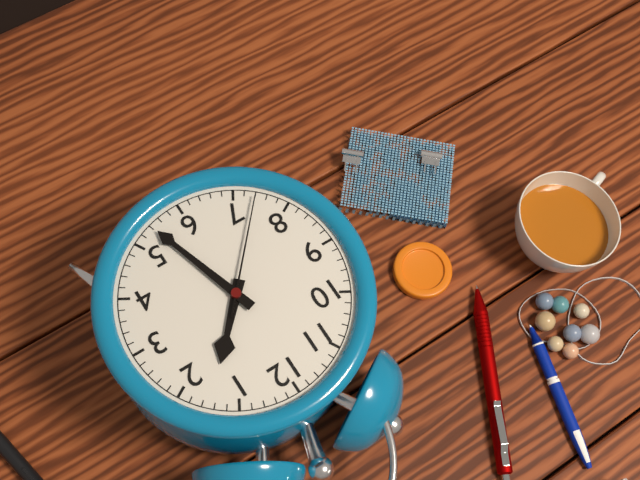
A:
1 h 27 min 37 s
